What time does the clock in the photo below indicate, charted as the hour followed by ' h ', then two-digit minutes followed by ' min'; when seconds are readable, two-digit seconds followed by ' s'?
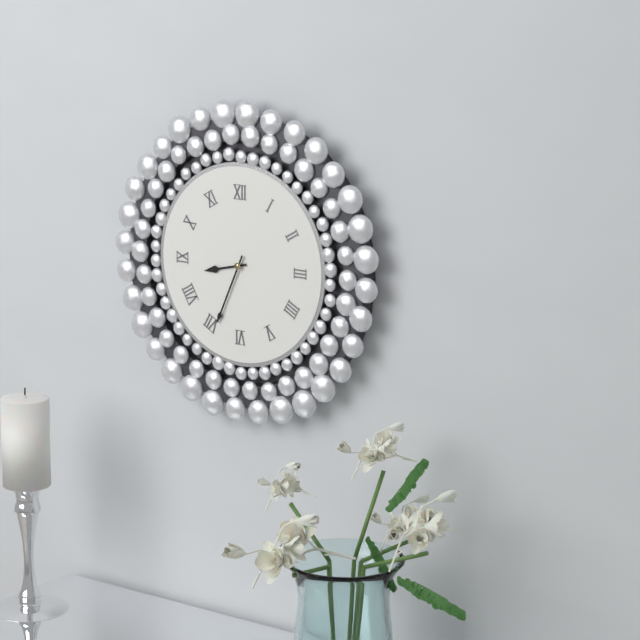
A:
8 h 34 min
